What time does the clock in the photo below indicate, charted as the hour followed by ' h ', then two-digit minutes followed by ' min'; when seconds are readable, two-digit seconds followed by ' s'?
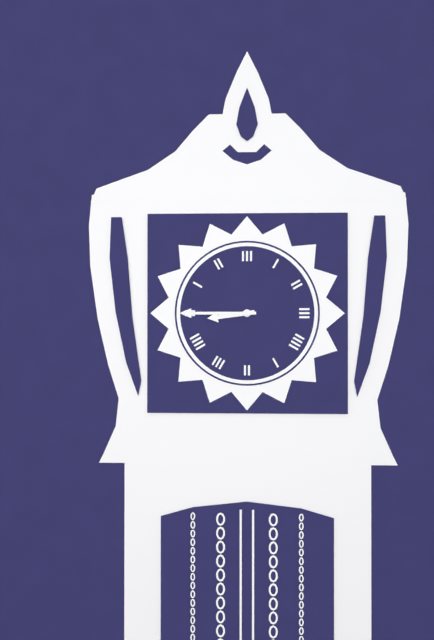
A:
8 h 45 min
